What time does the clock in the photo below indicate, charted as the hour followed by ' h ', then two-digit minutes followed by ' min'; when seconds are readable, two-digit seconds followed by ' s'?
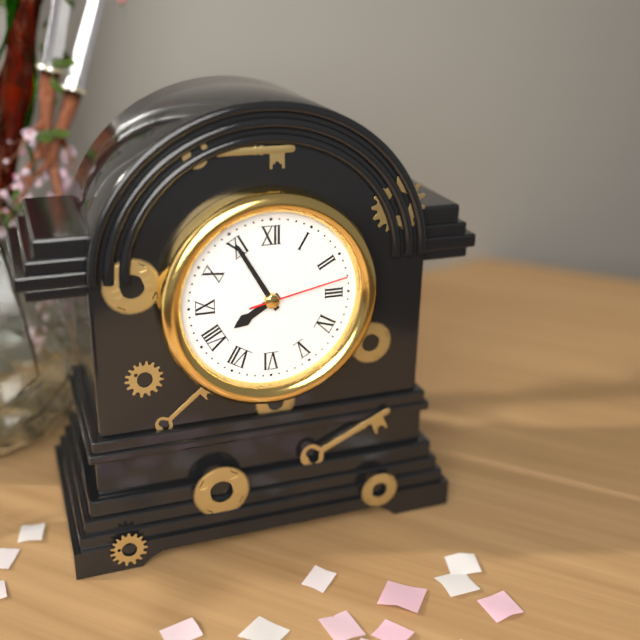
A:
7 h 55 min 13 s
